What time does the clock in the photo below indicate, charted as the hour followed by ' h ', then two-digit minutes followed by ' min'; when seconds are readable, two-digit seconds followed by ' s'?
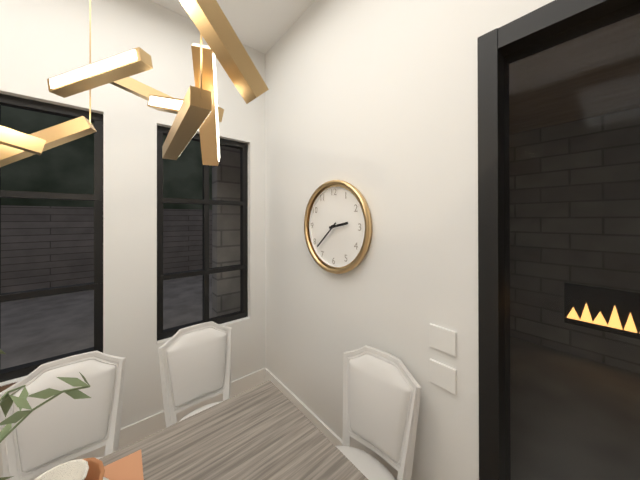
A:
2 h 38 min
